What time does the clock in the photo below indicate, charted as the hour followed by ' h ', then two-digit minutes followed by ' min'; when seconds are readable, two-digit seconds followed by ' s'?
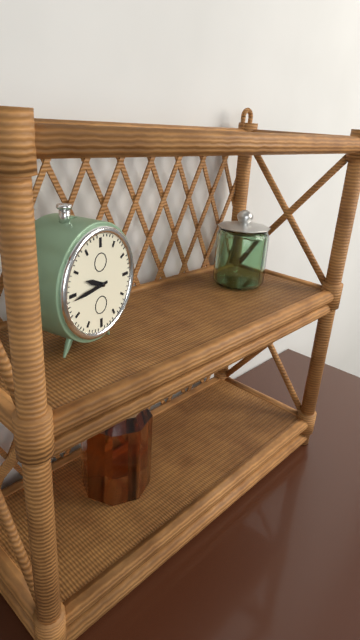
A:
9 h 44 min
